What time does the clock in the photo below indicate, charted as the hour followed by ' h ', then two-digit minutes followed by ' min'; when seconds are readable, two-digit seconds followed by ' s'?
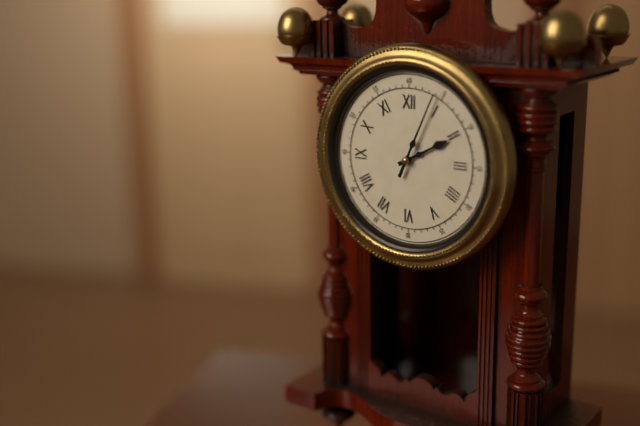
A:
2 h 04 min
